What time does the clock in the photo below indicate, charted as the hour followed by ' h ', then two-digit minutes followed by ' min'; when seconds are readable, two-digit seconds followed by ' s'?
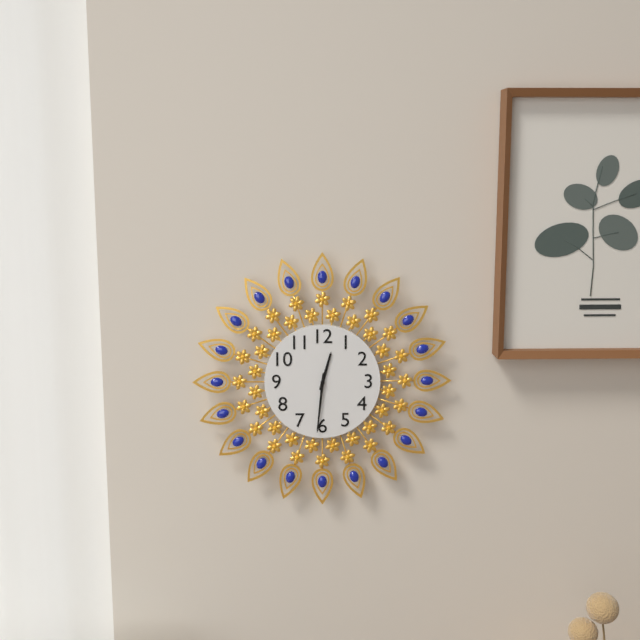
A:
12 h 31 min
